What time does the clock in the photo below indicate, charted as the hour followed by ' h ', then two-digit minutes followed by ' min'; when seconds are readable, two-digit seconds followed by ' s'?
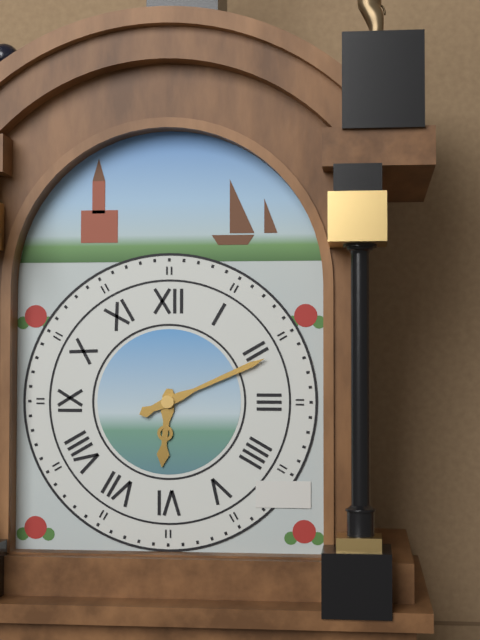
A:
6 h 11 min
